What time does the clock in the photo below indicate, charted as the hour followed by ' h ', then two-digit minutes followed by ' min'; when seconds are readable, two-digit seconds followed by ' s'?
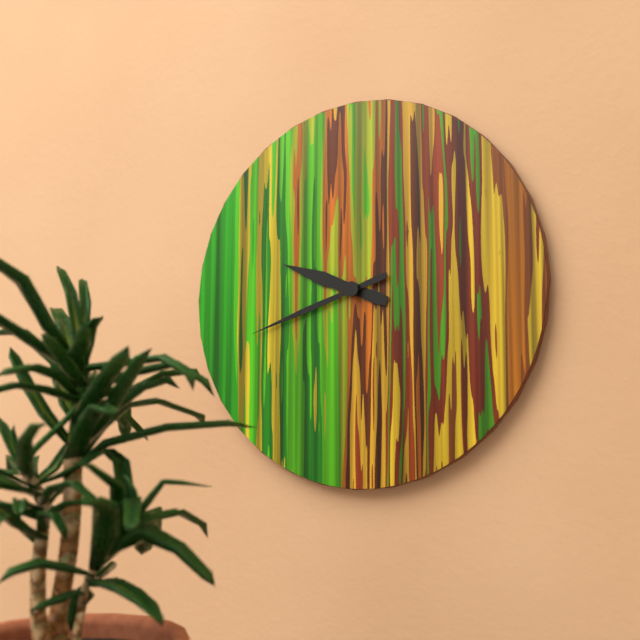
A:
9 h 42 min
